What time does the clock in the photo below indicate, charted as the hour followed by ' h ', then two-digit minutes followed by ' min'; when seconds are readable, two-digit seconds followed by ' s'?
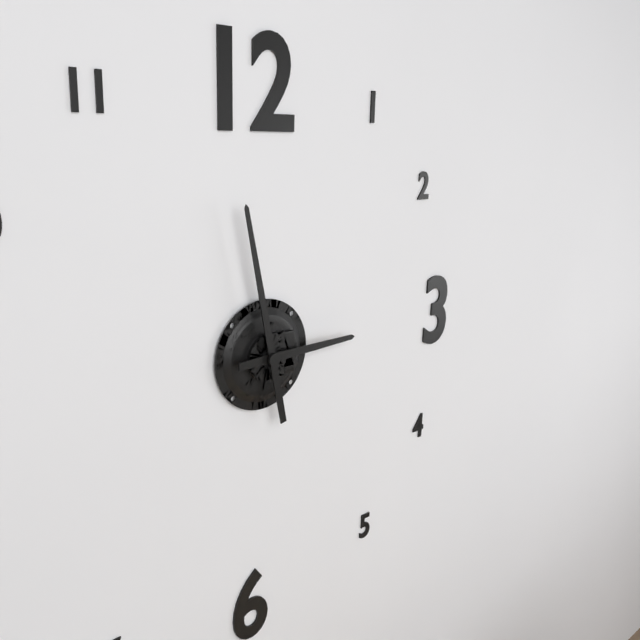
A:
2 h 58 min
